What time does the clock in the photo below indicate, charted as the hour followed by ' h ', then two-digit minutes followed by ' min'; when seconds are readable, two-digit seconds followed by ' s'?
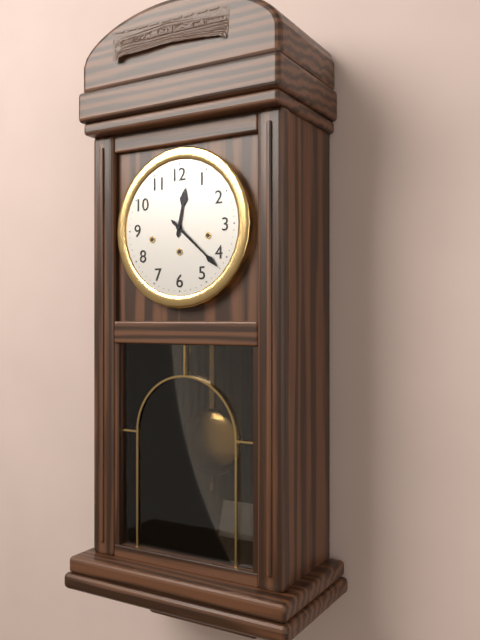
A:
12 h 22 min
